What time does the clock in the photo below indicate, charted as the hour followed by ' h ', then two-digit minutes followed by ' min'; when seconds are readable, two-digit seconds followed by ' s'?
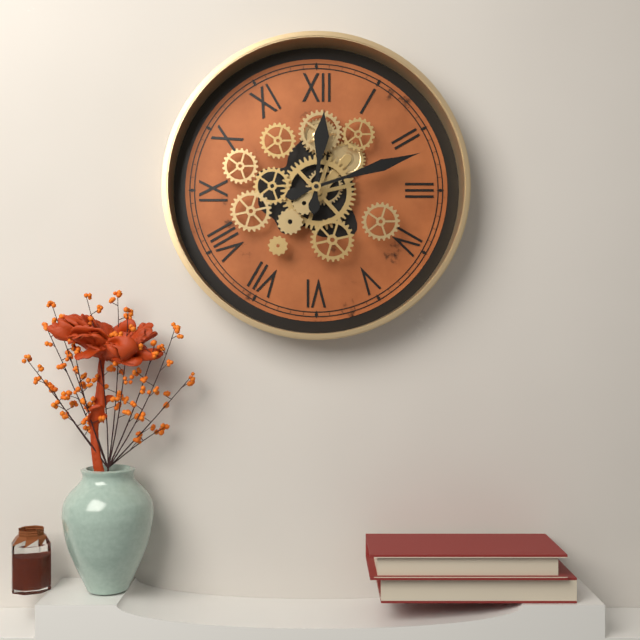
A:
12 h 12 min
